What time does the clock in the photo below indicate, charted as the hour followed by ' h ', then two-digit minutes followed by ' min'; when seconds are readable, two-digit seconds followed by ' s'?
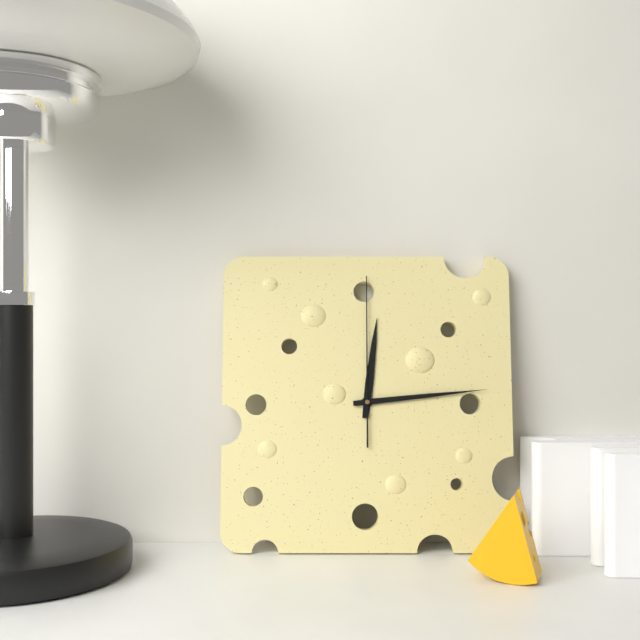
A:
12 h 14 min 00 s
